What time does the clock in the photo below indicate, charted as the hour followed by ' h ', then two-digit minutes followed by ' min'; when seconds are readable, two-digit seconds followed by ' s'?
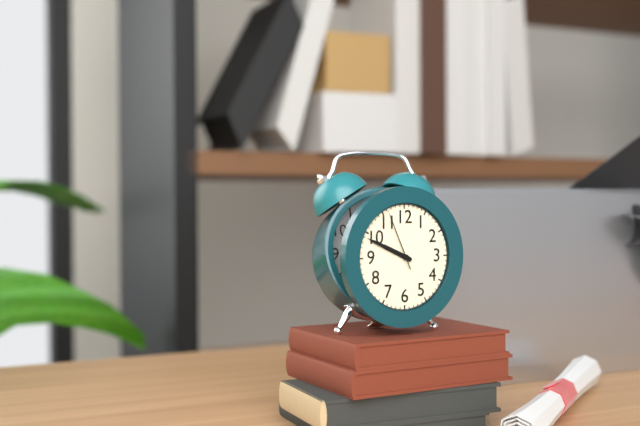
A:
9 h 49 min 56 s
